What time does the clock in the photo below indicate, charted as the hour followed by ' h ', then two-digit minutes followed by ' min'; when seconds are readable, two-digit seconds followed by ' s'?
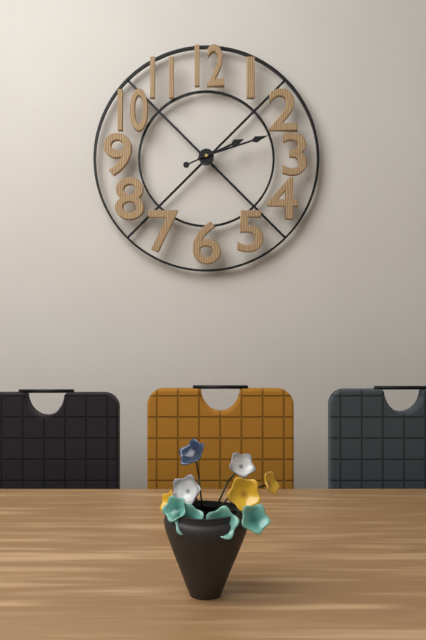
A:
2 h 12 min
